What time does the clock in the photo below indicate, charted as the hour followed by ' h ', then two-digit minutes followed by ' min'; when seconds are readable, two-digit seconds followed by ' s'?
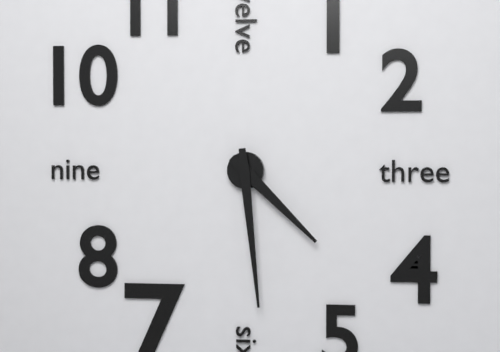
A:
4 h 29 min
